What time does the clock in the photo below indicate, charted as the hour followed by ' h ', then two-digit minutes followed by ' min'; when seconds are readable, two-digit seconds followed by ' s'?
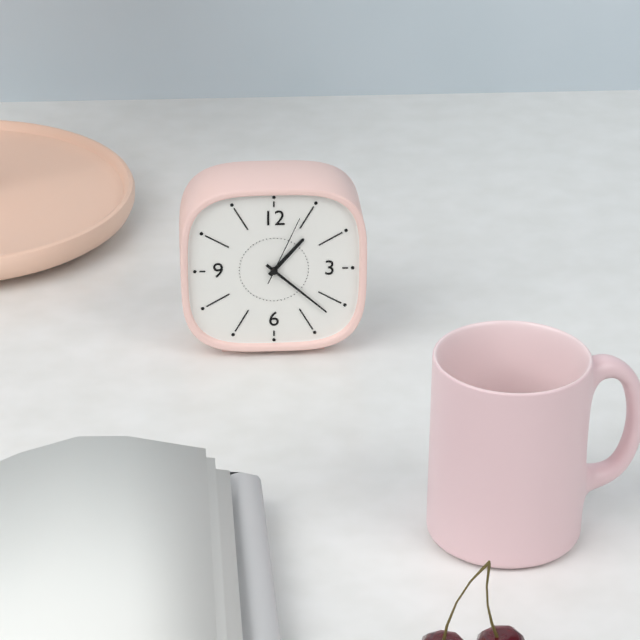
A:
1 h 22 min 04 s
